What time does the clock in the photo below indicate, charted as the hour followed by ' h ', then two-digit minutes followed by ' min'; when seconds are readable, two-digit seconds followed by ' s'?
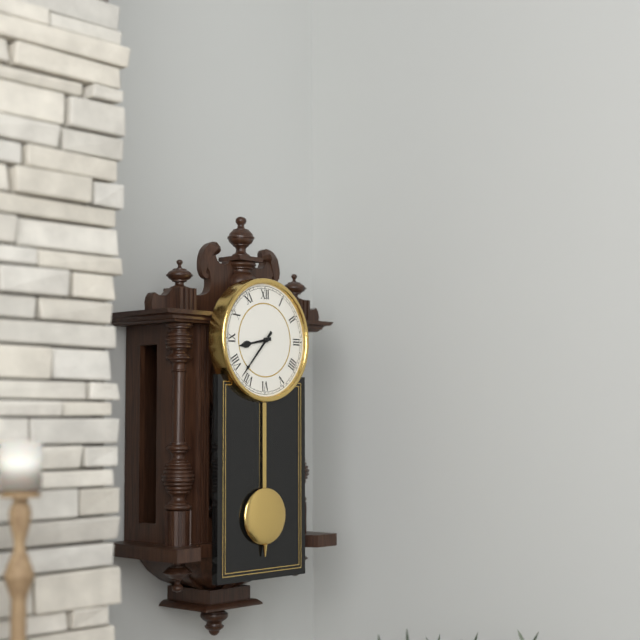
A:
8 h 37 min
